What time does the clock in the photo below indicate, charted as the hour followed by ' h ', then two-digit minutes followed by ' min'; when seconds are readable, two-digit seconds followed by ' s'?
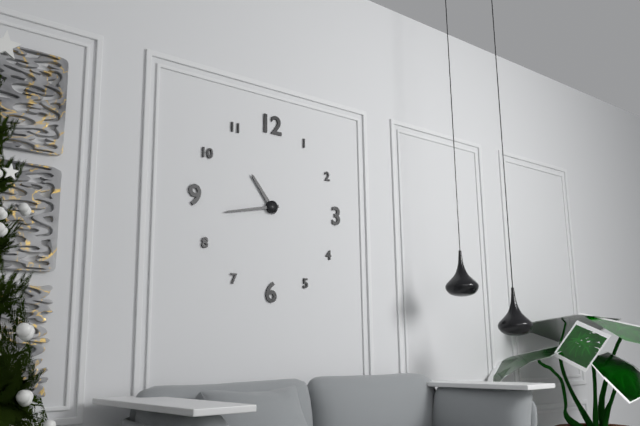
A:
10 h 43 min
